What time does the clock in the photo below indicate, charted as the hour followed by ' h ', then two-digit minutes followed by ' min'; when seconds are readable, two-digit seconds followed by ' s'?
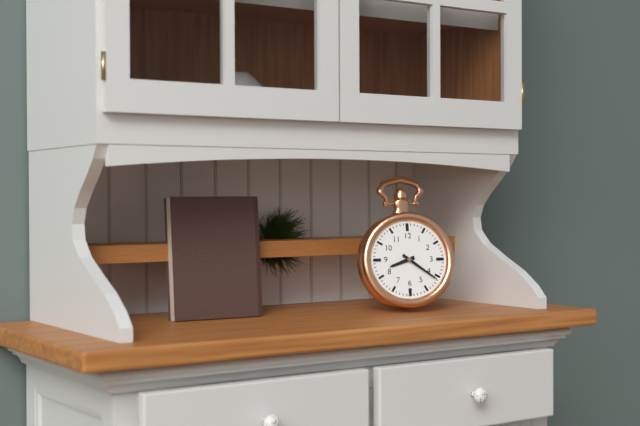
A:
8 h 21 min
